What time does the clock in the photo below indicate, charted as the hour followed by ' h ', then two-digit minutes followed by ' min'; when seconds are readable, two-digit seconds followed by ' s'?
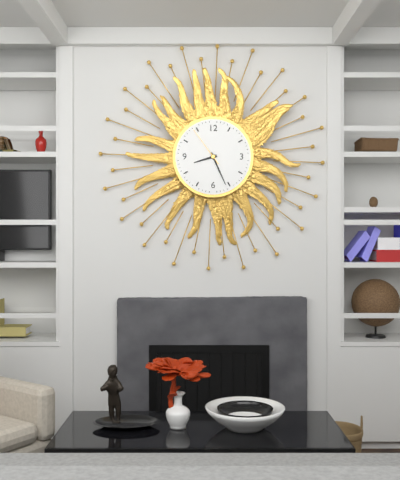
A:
8 h 26 min
